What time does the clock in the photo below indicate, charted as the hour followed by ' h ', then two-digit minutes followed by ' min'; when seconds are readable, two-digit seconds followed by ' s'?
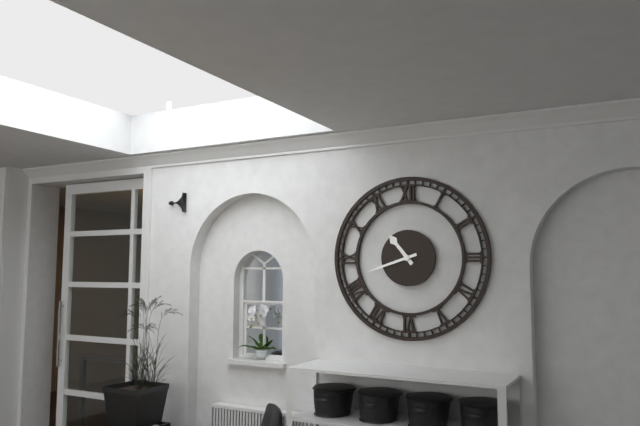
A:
10 h 42 min
